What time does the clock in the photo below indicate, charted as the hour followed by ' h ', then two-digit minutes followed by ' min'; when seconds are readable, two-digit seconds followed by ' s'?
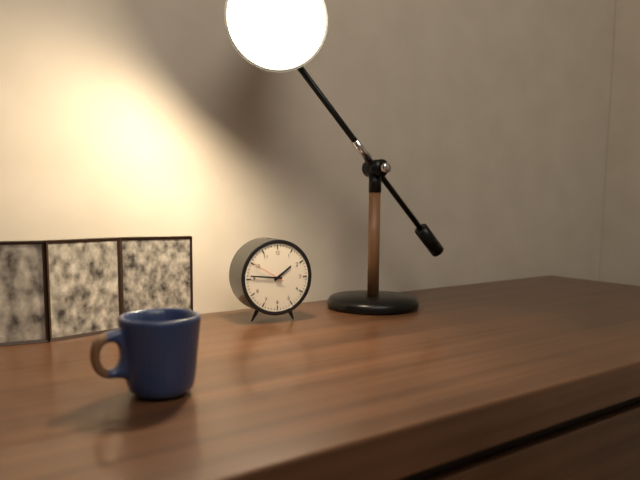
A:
1 h 46 min
